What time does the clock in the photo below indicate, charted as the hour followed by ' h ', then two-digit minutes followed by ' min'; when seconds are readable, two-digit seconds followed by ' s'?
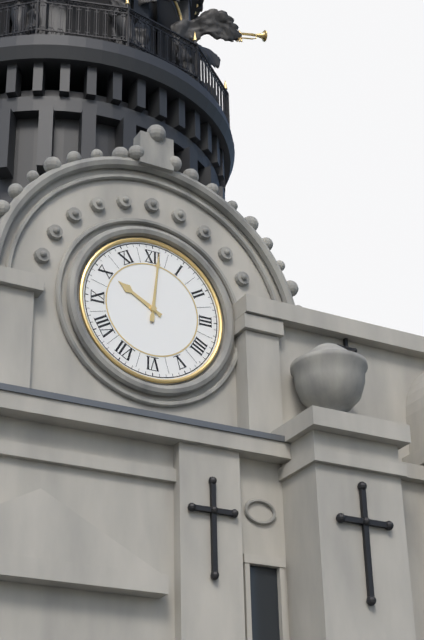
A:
10 h 01 min
